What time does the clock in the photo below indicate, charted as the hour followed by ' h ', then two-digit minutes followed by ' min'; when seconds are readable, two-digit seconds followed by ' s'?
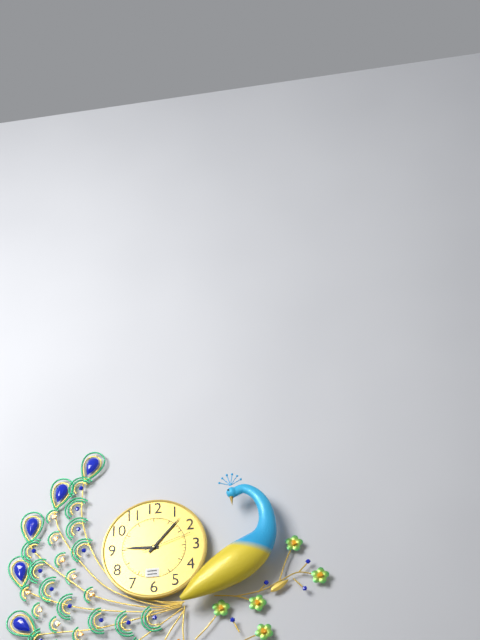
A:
9 h 07 min
